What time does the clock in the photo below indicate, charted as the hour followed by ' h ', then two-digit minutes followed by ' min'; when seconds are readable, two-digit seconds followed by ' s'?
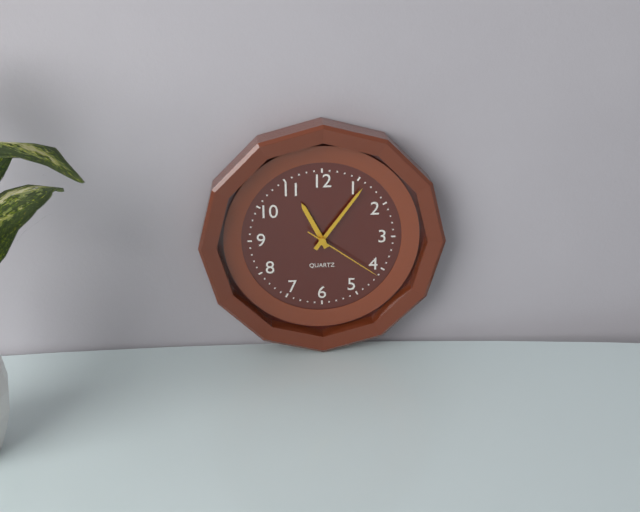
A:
11 h 06 min 21 s
